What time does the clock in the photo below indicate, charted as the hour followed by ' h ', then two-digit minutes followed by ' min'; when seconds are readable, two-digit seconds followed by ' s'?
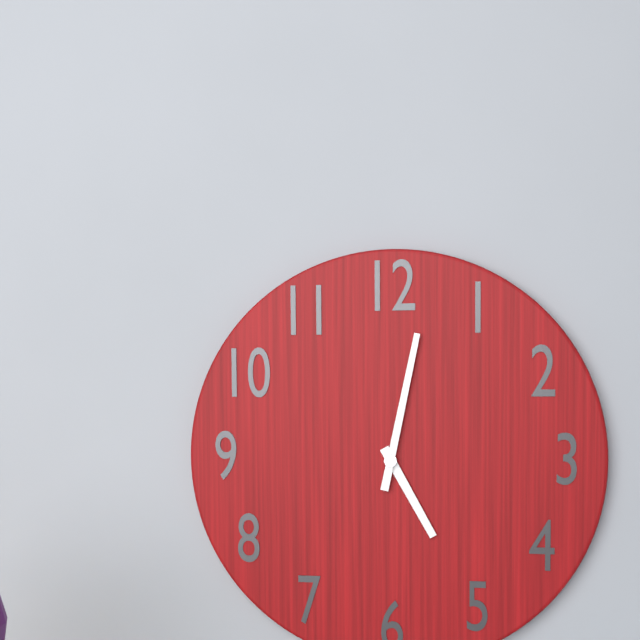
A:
5 h 02 min
